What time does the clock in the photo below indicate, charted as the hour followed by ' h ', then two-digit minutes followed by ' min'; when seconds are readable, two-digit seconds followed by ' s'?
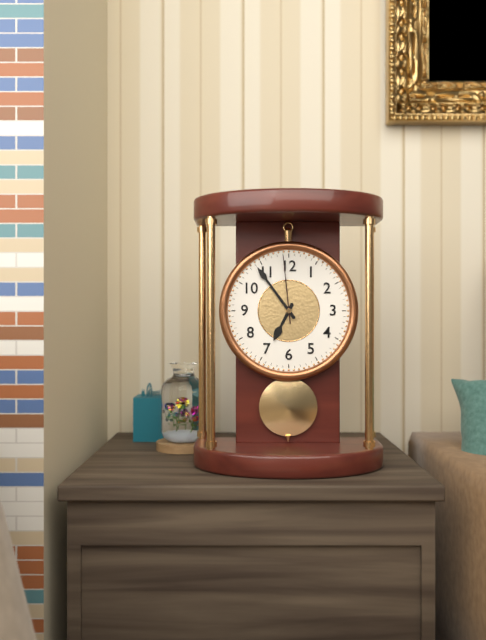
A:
6 h 54 min 59 s
